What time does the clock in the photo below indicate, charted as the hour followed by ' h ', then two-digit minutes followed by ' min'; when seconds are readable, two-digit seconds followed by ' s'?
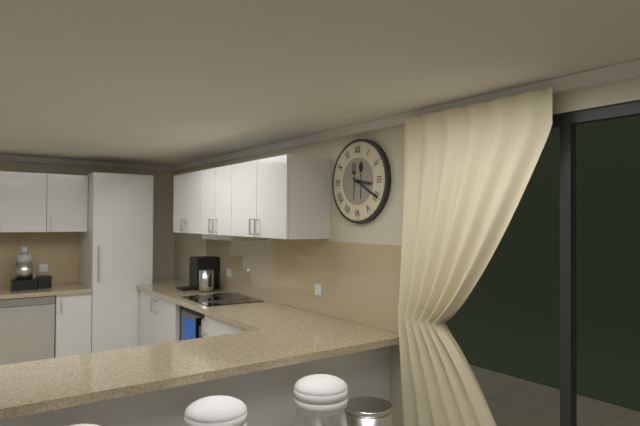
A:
3 h 20 min
